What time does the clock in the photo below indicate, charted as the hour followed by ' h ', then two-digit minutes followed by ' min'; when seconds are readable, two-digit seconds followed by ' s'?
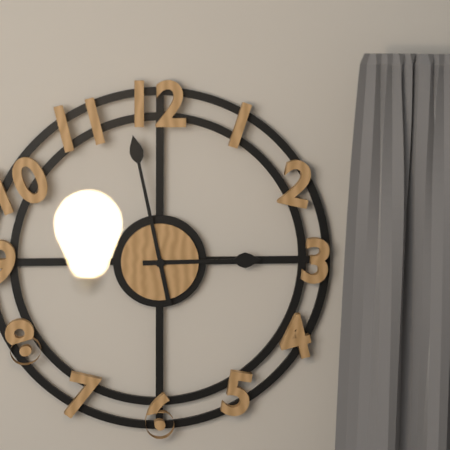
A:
2 h 58 min
